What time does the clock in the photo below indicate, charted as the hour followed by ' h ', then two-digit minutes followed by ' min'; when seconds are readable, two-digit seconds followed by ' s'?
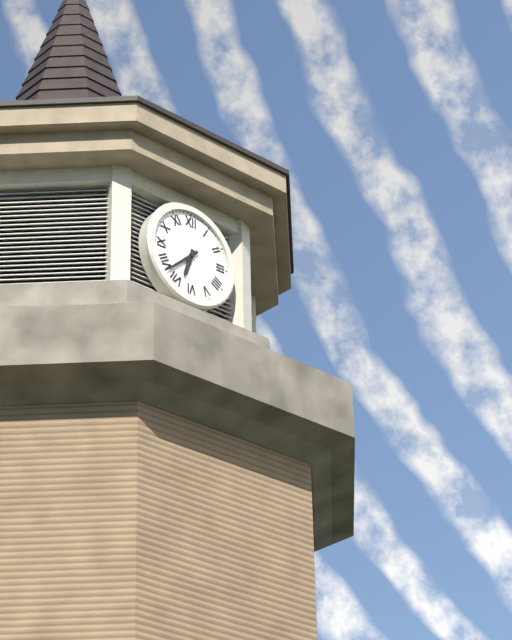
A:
6 h 38 min
